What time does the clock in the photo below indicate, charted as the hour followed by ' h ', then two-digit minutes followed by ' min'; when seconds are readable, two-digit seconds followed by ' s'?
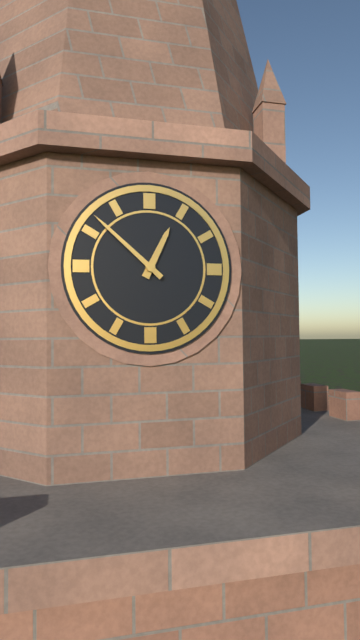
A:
12 h 52 min
